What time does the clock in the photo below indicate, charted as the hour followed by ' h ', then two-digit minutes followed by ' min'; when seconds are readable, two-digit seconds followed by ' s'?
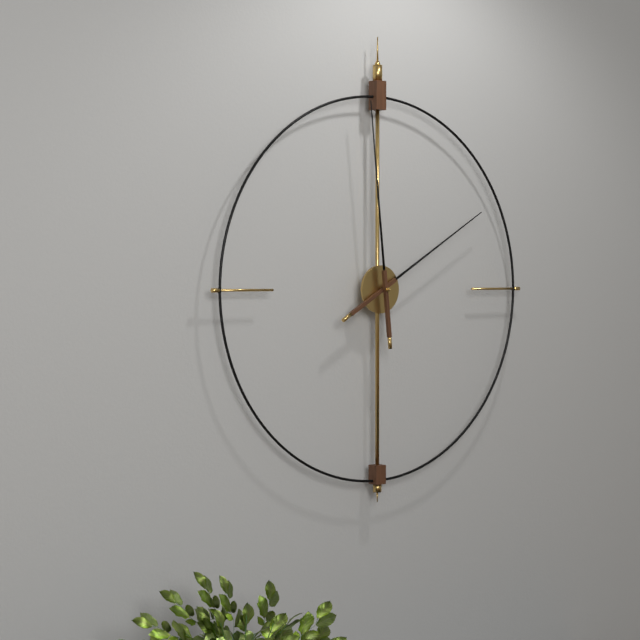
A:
1 h 59 min
